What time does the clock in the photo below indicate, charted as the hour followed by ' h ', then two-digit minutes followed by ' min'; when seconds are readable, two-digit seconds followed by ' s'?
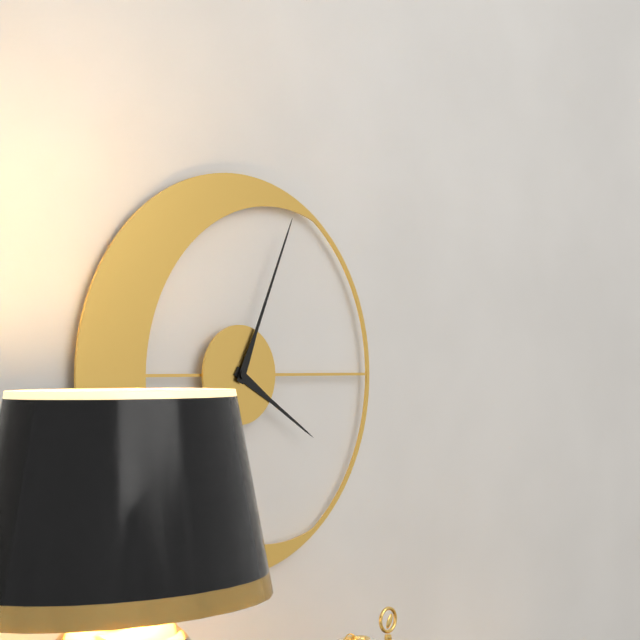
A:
4 h 04 min
